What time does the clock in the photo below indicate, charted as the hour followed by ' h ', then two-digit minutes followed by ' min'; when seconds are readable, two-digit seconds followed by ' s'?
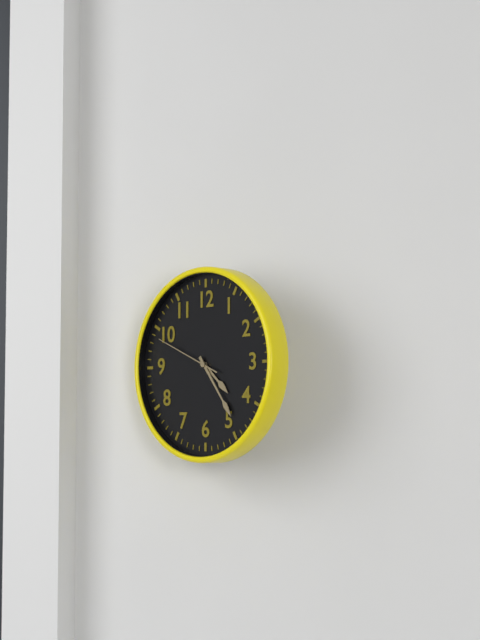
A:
4 h 24 min 49 s
